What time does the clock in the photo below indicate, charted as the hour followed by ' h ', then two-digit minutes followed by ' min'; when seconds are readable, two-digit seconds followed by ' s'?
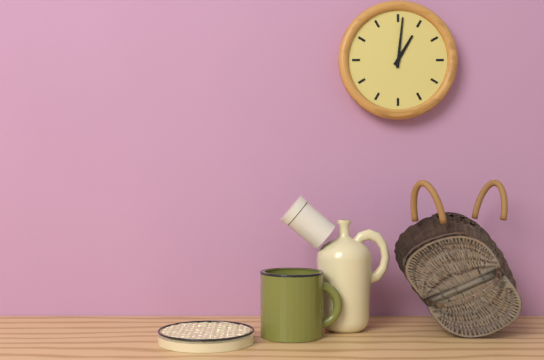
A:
1 h 01 min
